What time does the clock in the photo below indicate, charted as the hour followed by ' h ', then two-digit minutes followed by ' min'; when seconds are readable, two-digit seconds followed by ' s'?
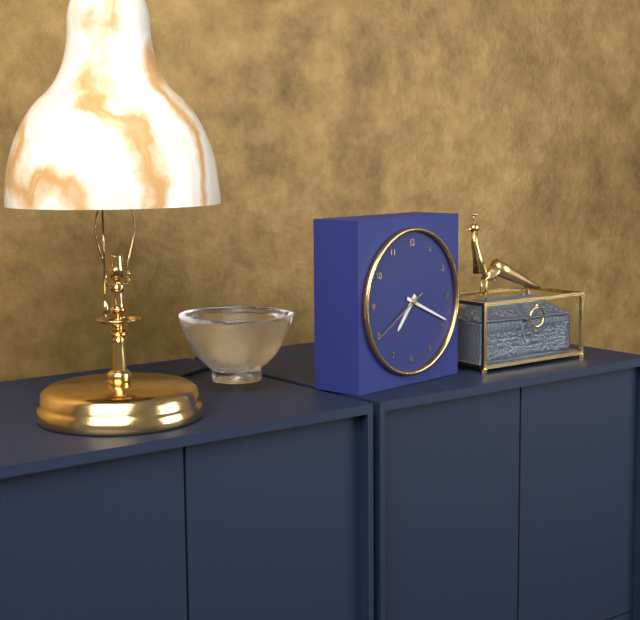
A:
7 h 19 min 40 s
